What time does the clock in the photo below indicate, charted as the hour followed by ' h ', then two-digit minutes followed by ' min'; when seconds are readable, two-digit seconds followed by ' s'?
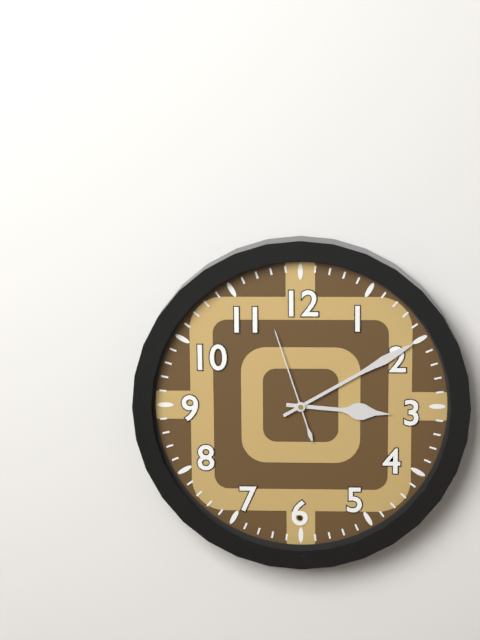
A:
3 h 10 min 57 s
